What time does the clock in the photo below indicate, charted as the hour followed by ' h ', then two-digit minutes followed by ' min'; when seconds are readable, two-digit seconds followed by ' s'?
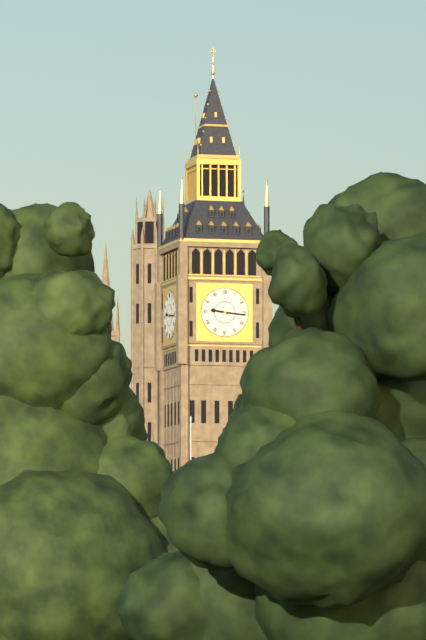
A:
9 h 16 min
